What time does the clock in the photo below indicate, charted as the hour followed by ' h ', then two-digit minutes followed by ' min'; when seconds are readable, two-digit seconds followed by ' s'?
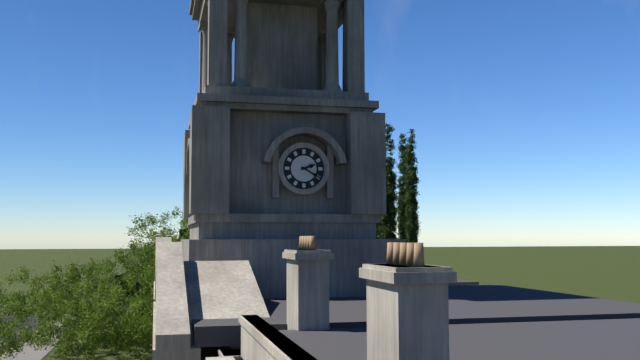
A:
2 h 20 min
